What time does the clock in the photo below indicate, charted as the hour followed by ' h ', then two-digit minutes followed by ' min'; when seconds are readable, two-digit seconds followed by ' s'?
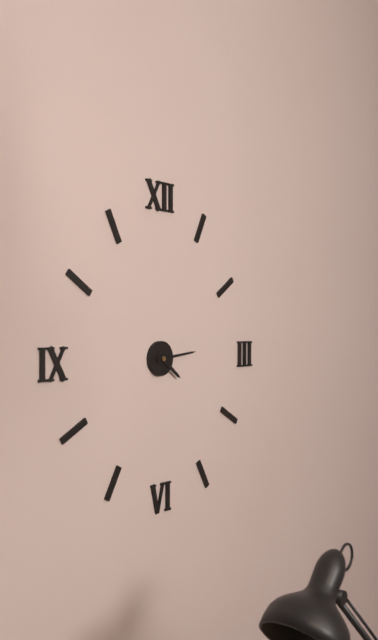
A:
4 h 14 min
